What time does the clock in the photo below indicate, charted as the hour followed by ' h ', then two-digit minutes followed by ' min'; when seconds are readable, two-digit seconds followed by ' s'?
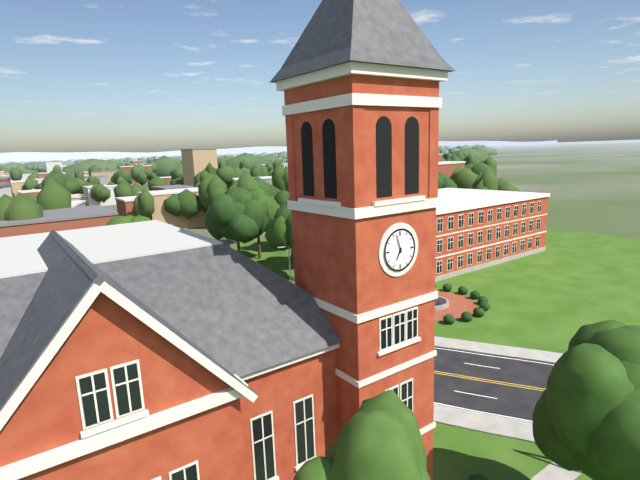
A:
6 h 57 min
